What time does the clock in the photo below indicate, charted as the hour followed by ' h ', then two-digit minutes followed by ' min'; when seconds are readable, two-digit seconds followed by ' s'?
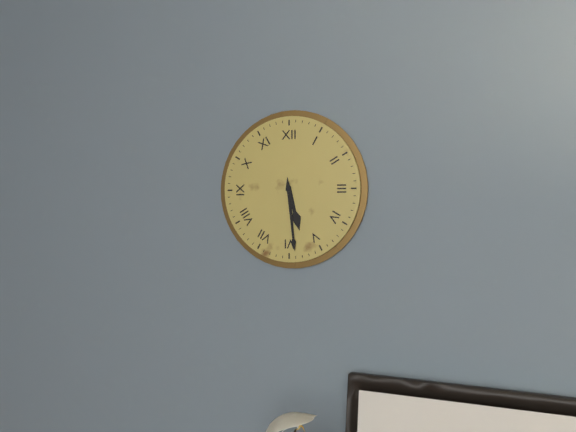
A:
5 h 29 min
